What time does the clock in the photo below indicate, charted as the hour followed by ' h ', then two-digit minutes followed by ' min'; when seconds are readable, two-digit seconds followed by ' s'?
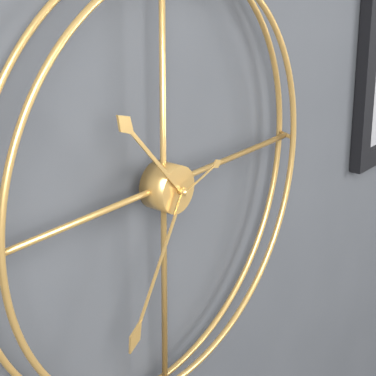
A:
10 h 35 min 12 s
